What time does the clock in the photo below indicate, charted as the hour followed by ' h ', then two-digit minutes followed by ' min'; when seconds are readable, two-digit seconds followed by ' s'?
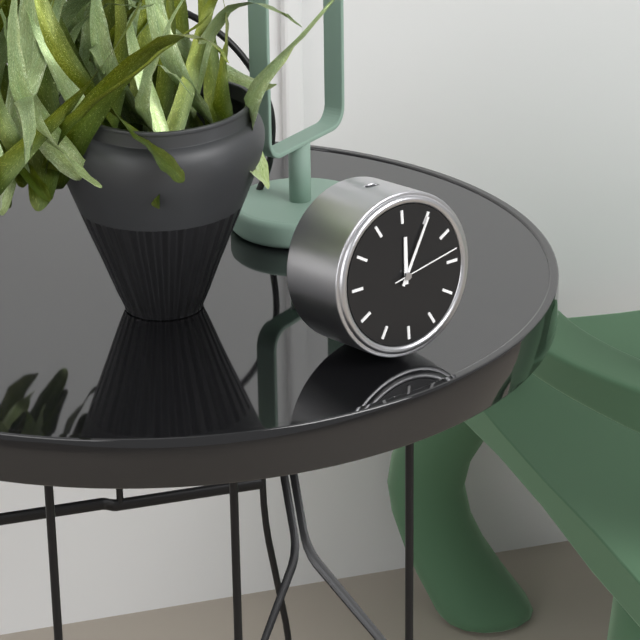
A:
12 h 05 min 13 s
